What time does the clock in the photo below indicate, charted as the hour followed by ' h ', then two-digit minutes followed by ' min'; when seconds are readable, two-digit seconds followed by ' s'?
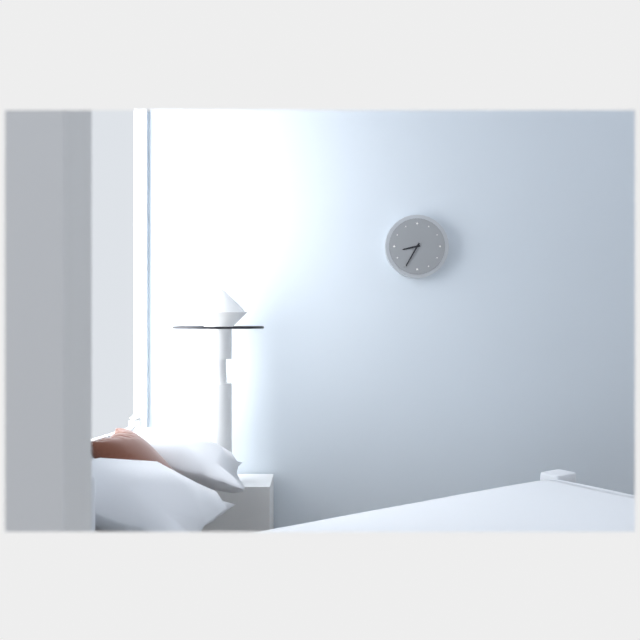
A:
8 h 35 min
